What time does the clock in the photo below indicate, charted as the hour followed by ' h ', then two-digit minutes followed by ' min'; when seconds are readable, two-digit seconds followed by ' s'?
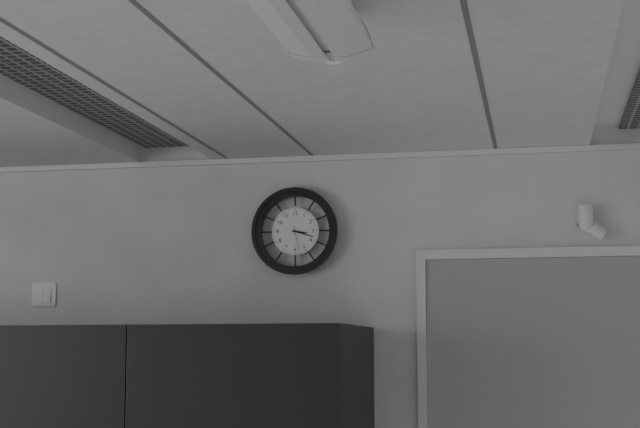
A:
3 h 18 min
